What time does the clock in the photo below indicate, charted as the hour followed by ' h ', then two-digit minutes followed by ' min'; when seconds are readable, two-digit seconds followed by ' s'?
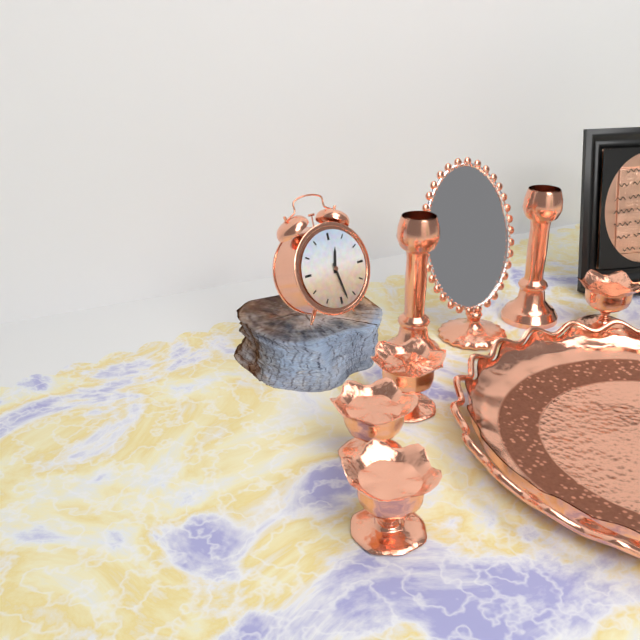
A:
12 h 28 min
